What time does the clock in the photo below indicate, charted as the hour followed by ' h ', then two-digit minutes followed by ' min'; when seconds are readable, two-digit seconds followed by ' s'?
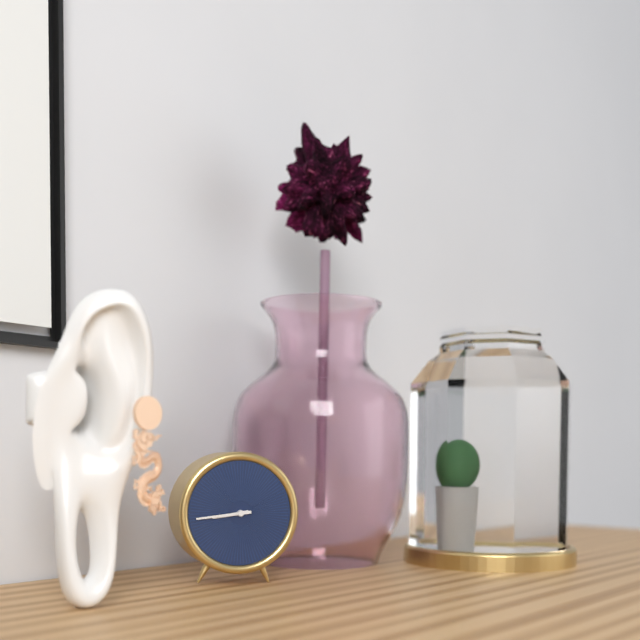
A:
8 h 44 min
